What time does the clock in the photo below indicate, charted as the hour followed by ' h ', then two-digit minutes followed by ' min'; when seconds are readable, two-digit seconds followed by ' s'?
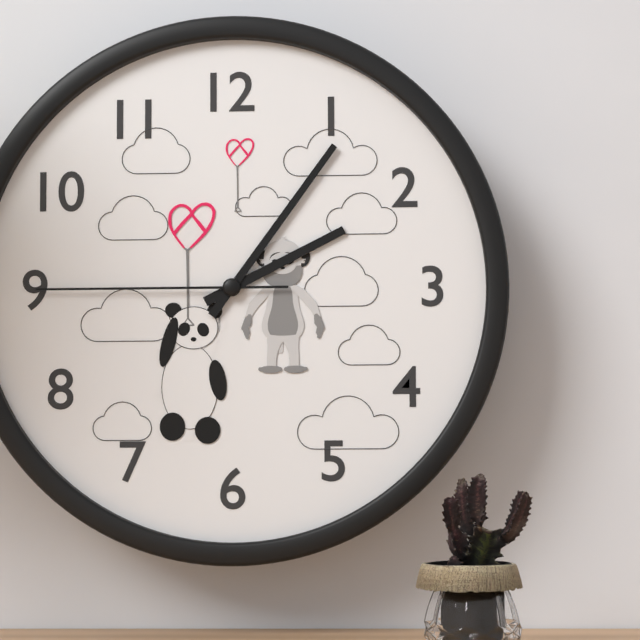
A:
2 h 06 min 45 s
